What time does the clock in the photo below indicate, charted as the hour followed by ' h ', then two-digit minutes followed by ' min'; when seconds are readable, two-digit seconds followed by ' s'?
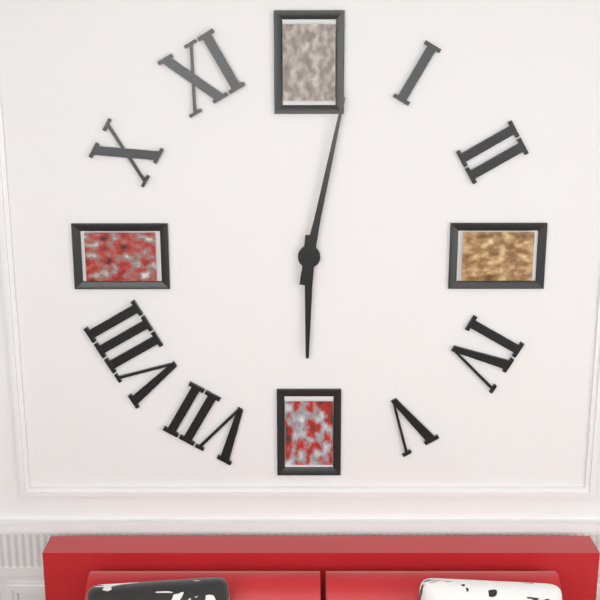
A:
6 h 02 min
